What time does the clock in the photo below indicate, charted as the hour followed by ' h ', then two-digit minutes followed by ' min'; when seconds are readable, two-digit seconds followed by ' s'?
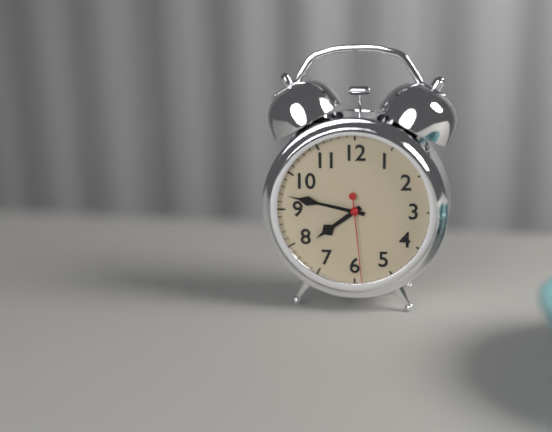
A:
7 h 47 min 29 s
